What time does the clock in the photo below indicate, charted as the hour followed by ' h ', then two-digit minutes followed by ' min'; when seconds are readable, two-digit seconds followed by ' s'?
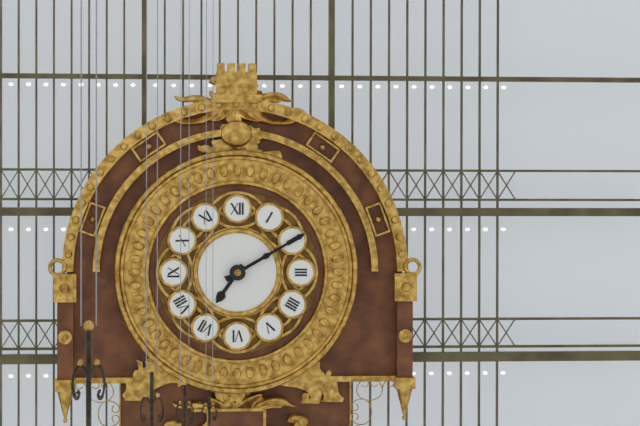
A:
7 h 10 min
